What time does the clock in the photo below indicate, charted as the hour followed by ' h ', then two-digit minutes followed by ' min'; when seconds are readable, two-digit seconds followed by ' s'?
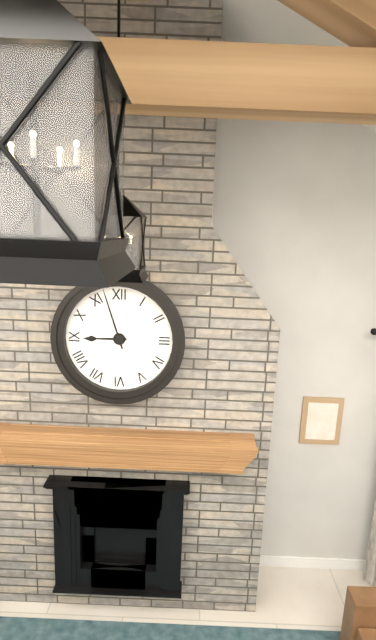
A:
8 h 57 min
